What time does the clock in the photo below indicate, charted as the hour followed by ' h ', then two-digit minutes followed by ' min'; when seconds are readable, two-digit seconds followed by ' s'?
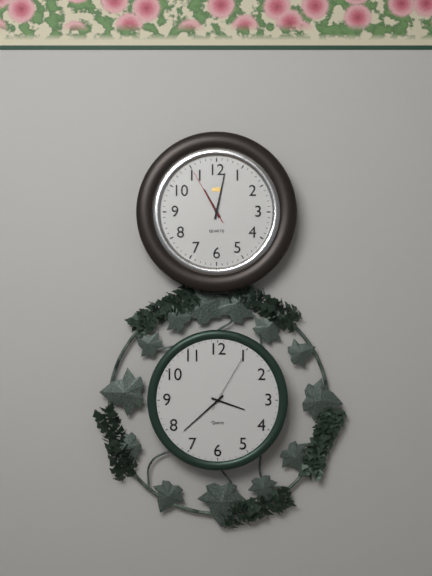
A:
11 h 02 min 55 s
